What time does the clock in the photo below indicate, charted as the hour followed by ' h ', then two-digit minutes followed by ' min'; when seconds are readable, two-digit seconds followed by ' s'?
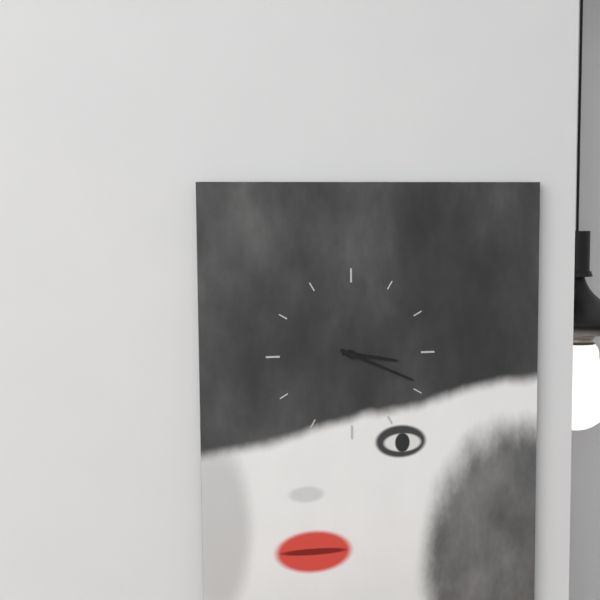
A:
3 h 19 min
